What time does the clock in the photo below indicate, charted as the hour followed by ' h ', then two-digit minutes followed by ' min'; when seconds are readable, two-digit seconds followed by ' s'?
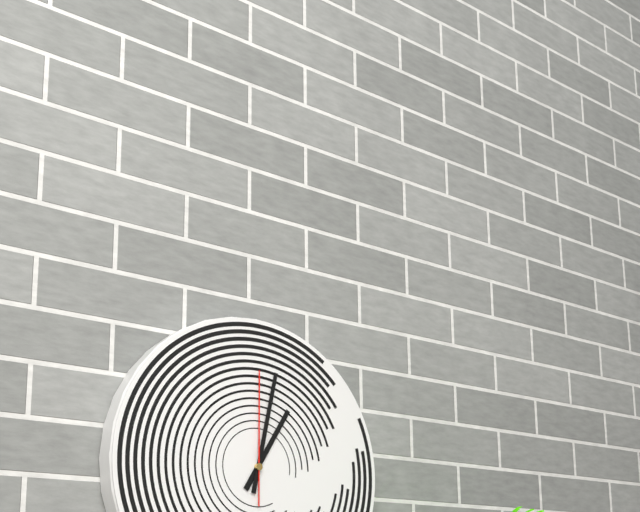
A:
1 h 02 min 00 s
